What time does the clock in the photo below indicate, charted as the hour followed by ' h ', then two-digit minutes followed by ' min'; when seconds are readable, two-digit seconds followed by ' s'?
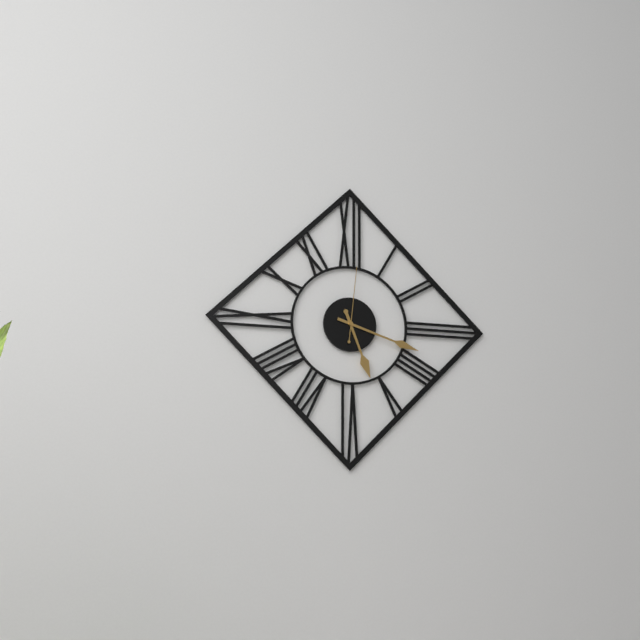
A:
5 h 18 min 01 s
